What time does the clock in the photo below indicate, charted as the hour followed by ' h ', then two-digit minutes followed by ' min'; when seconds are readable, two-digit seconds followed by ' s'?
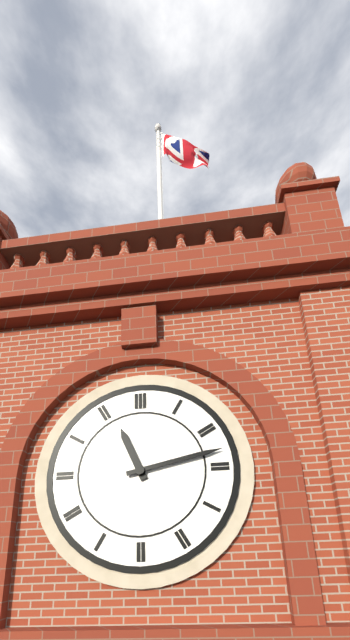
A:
11 h 13 min
